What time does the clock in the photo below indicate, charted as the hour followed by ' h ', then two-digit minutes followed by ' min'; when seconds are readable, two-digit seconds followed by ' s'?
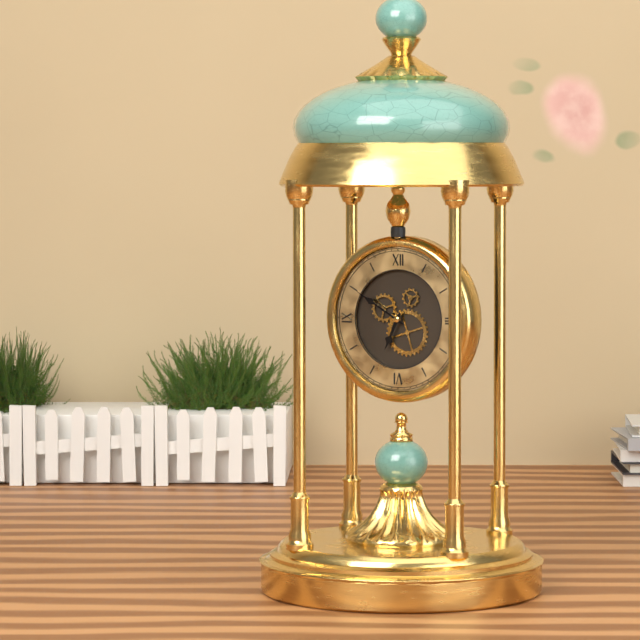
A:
6 h 50 min
